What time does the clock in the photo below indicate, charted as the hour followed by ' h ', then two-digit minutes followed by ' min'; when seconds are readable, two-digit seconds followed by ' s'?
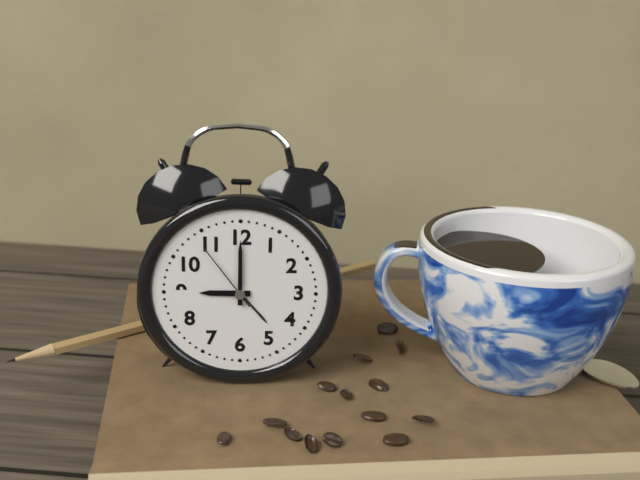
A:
9 h 00 min 54 s
